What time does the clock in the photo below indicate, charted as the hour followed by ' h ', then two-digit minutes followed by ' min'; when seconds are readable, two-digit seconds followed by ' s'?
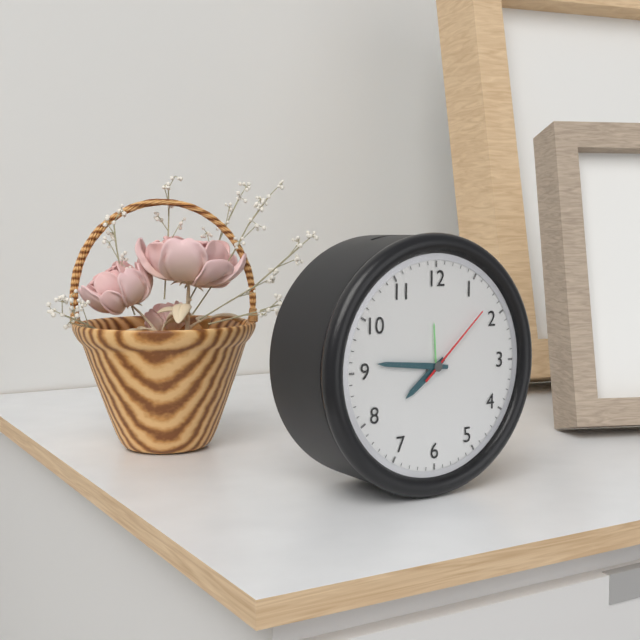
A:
7 h 46 min 08 s
